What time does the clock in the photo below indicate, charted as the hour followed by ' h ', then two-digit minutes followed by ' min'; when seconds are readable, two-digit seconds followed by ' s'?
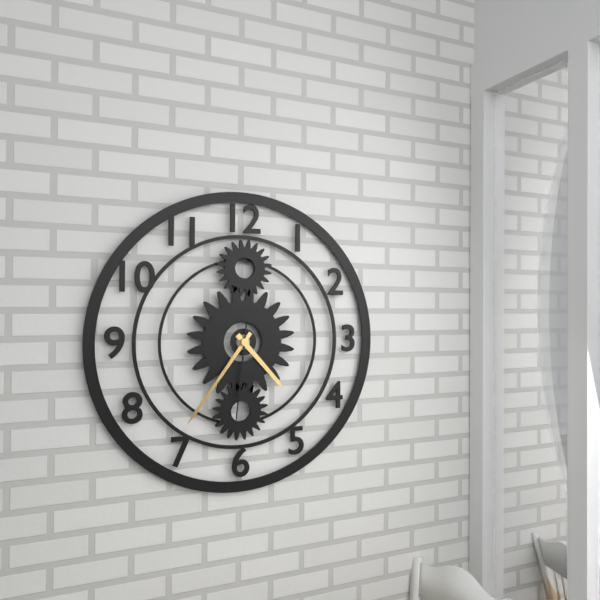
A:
4 h 36 min 31 s
